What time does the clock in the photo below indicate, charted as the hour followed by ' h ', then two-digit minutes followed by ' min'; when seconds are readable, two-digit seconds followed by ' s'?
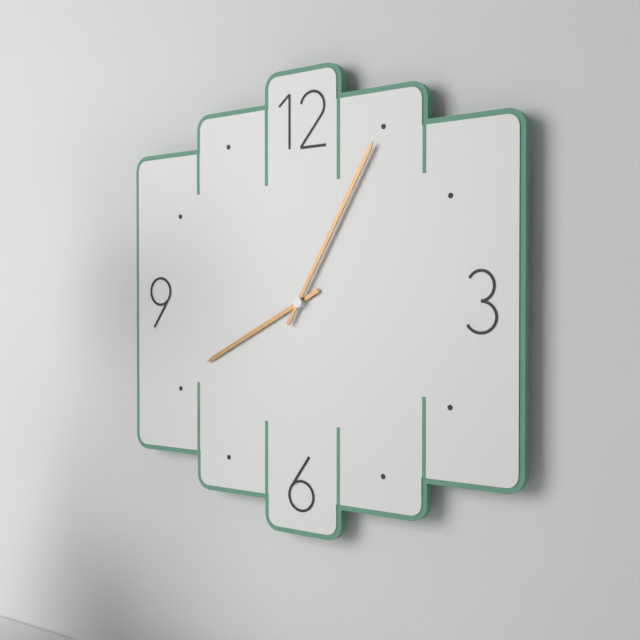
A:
8 h 05 min
